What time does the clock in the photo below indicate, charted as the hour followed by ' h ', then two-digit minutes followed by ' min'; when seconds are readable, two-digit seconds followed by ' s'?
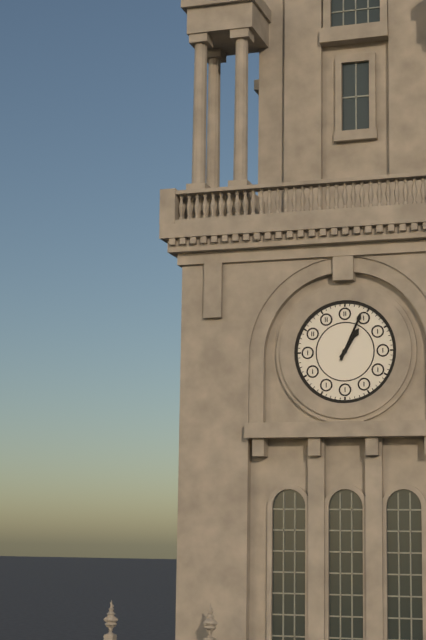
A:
1 h 04 min
